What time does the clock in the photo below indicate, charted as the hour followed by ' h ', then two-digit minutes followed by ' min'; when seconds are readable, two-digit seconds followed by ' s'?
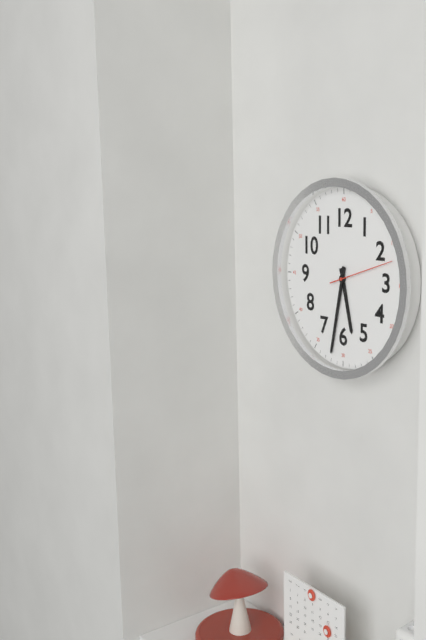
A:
5 h 32 min 12 s
